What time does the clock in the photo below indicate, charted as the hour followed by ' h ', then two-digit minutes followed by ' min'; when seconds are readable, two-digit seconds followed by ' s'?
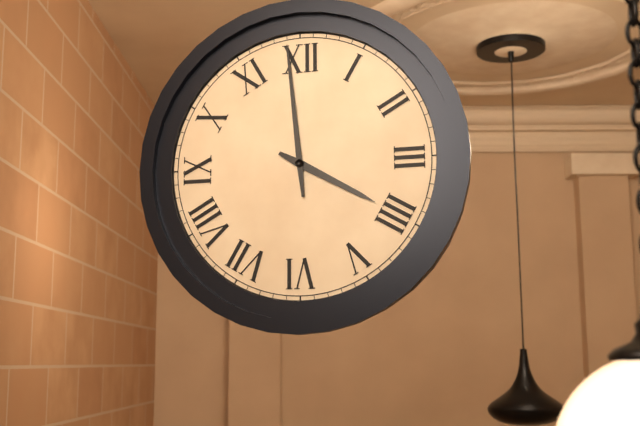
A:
3 h 59 min
